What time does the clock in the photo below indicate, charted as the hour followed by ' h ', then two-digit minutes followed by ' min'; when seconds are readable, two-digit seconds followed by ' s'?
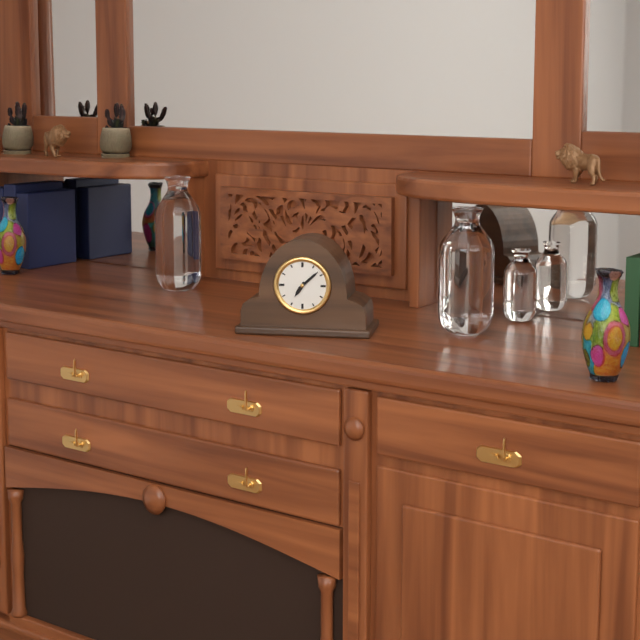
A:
7 h 08 min
